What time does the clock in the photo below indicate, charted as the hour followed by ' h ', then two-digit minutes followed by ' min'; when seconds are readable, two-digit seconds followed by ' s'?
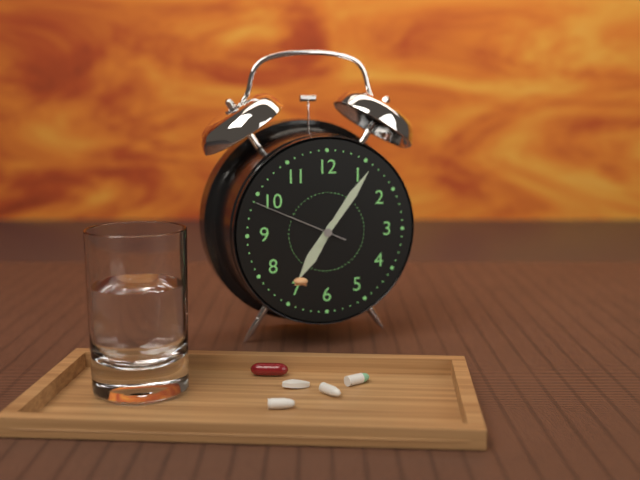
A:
7 h 06 min 49 s
